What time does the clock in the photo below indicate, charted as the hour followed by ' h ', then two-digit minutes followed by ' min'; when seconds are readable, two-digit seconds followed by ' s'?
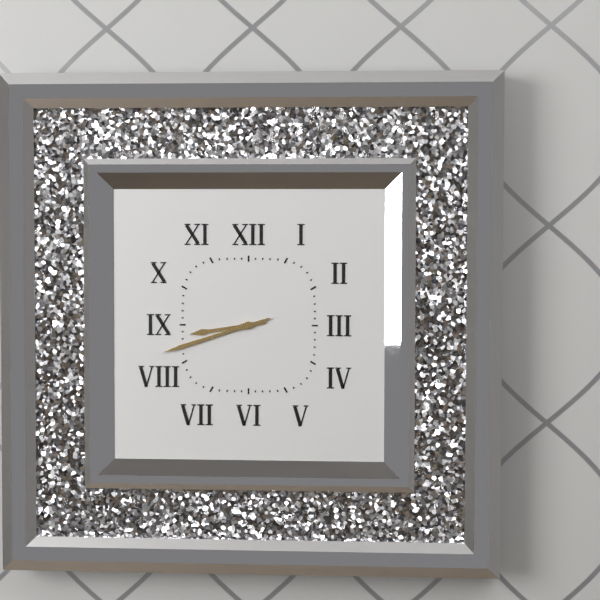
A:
8 h 42 min
